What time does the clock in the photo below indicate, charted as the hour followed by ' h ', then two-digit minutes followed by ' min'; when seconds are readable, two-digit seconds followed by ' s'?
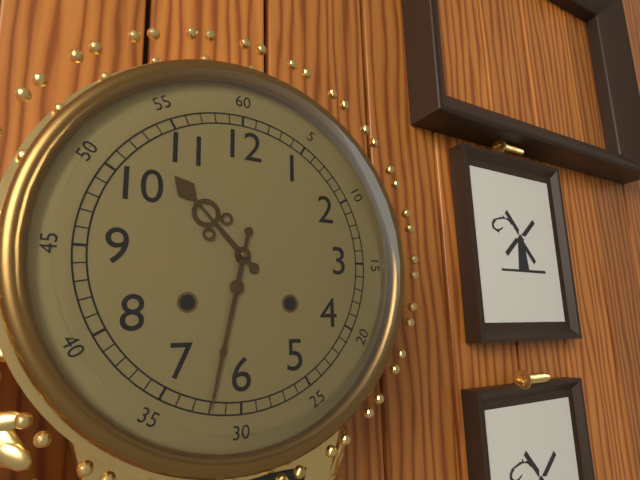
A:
10 h 32 min
